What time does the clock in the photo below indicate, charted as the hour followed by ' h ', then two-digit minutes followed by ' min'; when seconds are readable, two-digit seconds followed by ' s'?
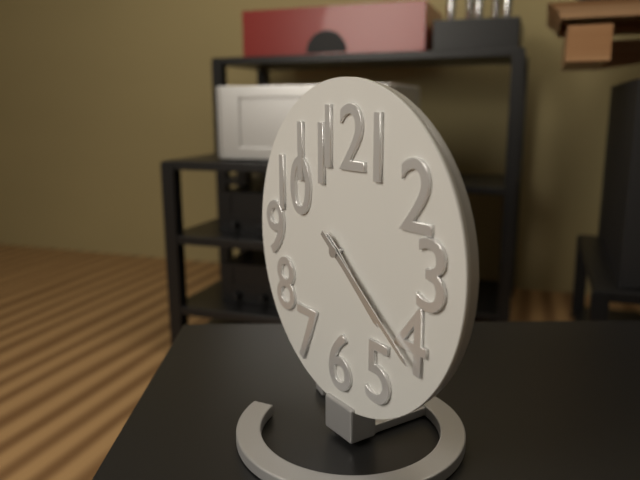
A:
4 h 21 min
